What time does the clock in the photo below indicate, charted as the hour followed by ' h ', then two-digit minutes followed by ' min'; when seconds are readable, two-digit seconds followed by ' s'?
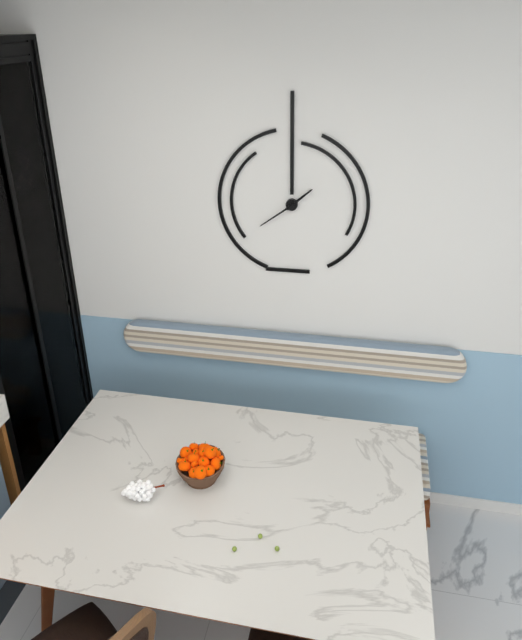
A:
1 h 39 min
